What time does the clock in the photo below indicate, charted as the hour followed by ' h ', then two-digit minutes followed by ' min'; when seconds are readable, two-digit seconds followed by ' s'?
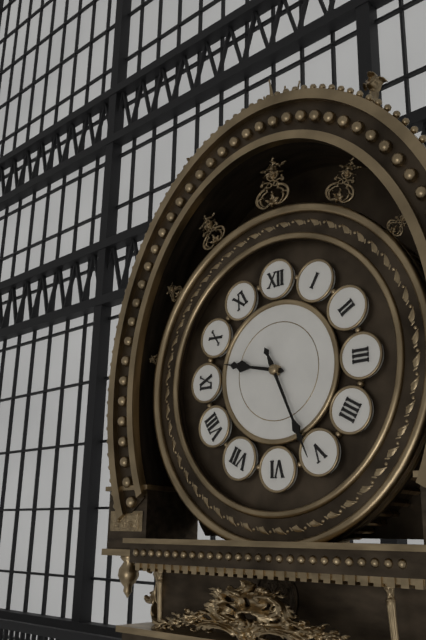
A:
9 h 26 min
